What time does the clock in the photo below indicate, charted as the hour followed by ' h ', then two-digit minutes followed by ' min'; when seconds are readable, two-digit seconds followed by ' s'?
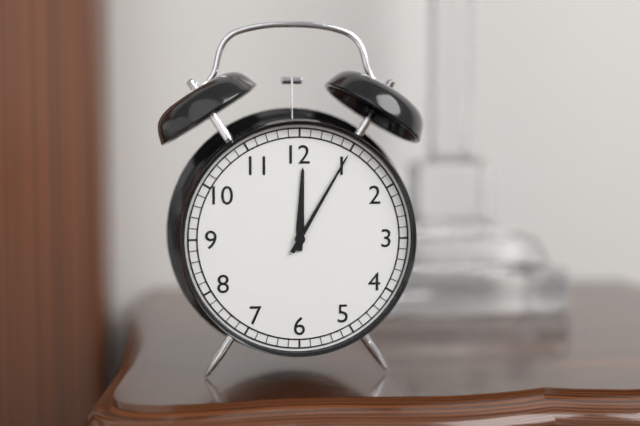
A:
12 h 05 min
